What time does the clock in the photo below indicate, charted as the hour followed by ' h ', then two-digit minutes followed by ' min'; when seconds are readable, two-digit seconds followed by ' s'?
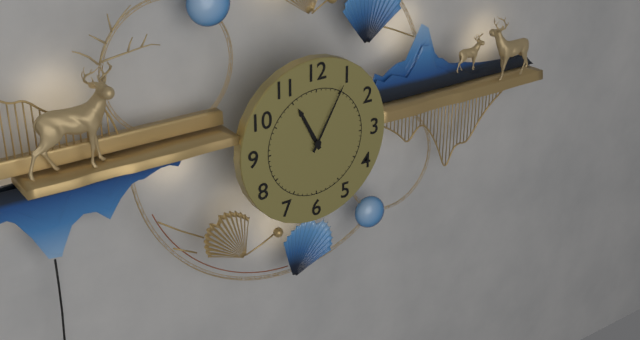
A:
11 h 05 min
